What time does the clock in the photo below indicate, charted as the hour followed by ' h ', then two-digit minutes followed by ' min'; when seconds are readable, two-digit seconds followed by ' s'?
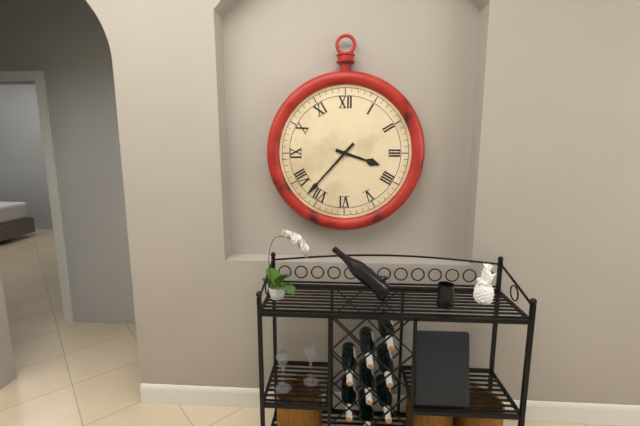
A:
3 h 37 min
